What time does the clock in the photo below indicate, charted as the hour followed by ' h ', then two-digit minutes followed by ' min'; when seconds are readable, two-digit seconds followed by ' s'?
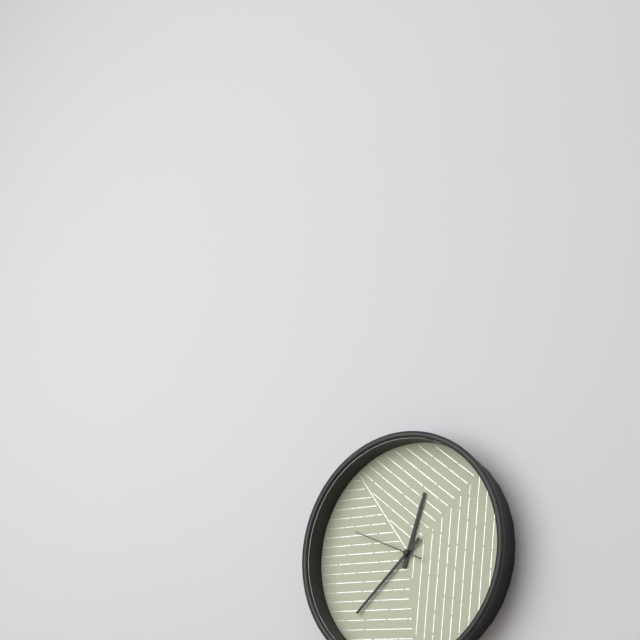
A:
12 h 38 min 49 s
